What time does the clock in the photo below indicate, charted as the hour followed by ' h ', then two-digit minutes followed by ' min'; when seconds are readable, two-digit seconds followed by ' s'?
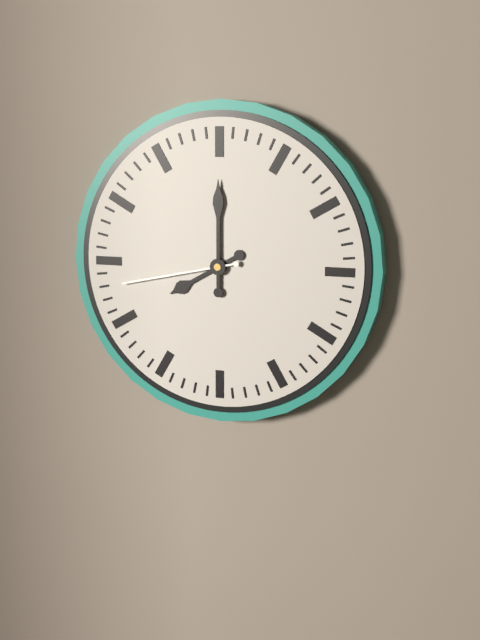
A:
8 h 00 min 43 s
